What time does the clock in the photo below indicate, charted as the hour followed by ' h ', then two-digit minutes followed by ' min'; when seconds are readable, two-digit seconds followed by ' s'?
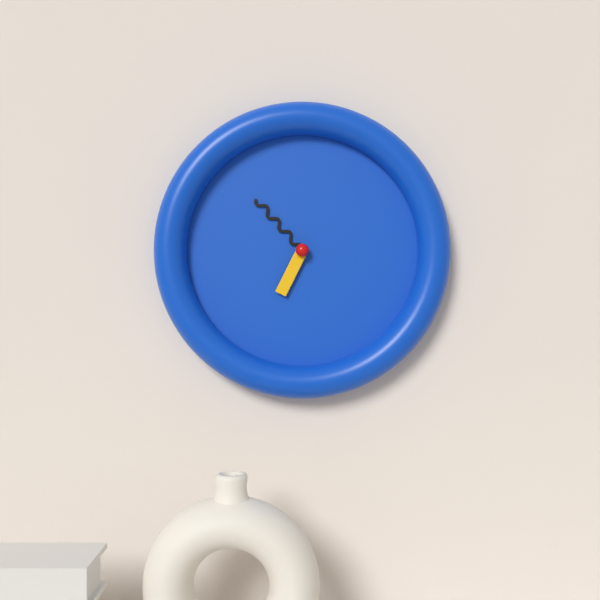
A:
6 h 53 min
